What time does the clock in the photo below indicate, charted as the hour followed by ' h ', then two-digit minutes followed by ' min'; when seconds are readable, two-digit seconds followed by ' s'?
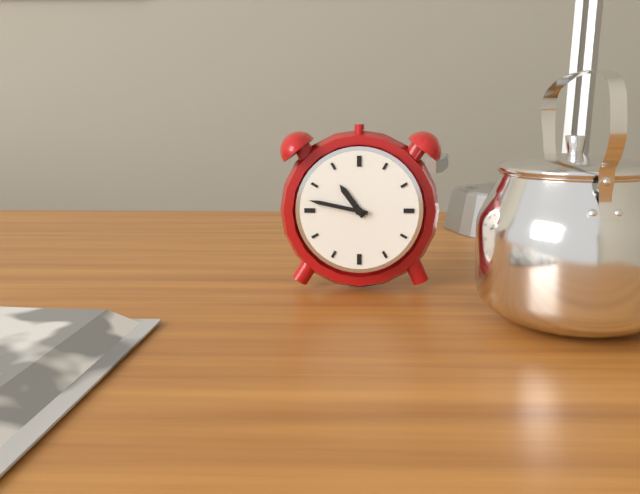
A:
10 h 47 min
